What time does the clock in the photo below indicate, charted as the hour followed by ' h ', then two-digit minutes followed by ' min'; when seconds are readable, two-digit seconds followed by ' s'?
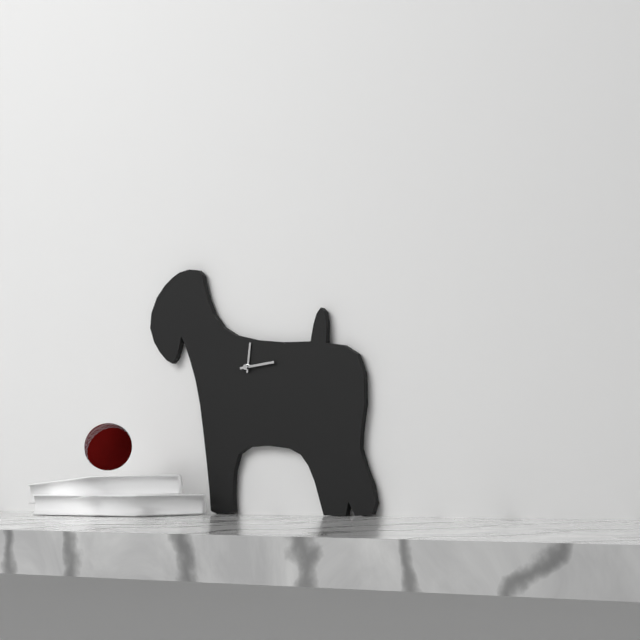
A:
12 h 14 min
